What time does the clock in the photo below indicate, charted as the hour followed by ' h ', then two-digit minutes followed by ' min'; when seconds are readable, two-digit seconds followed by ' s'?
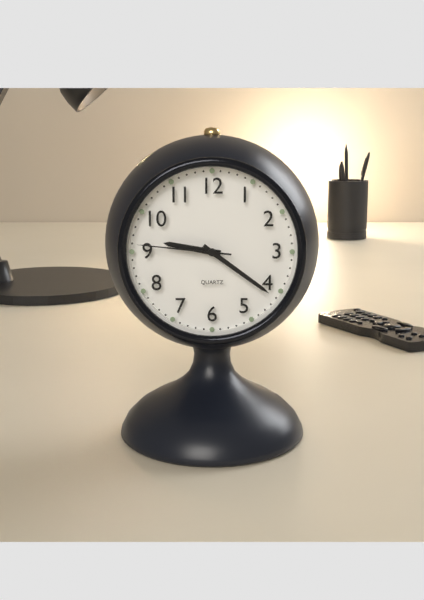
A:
9 h 21 min 46 s
